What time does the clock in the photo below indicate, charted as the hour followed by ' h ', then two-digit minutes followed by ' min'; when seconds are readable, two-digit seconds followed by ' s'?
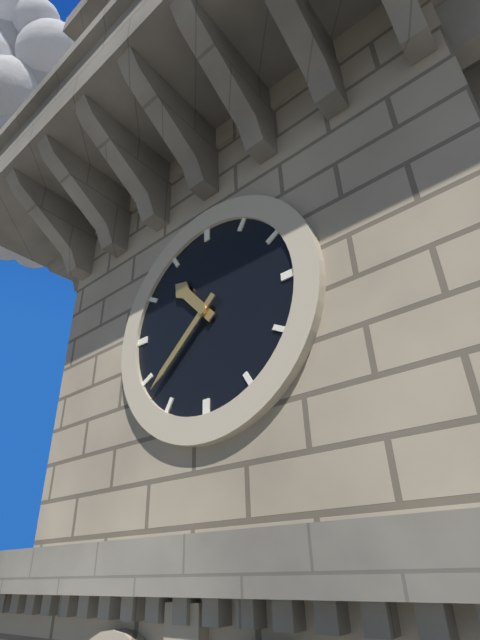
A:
10 h 38 min
